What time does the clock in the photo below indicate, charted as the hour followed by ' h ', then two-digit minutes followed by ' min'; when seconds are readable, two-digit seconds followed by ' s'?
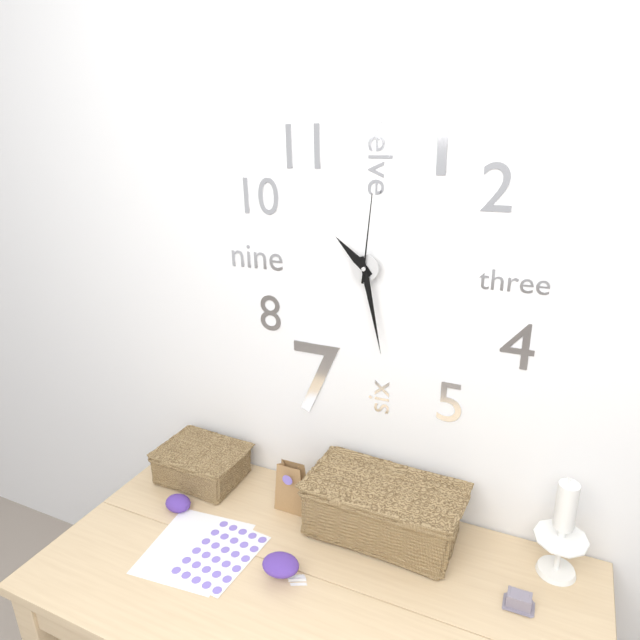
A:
10 h 28 min 01 s
